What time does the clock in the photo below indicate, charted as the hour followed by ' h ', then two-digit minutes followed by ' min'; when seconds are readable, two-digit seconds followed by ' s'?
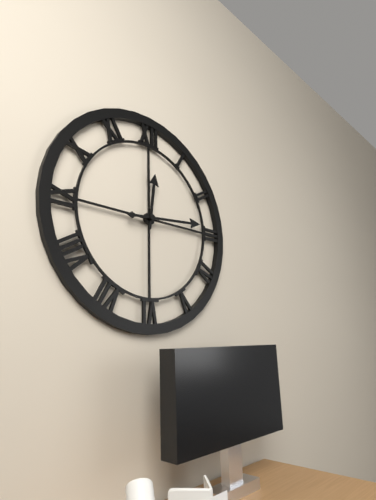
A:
12 h 14 min
